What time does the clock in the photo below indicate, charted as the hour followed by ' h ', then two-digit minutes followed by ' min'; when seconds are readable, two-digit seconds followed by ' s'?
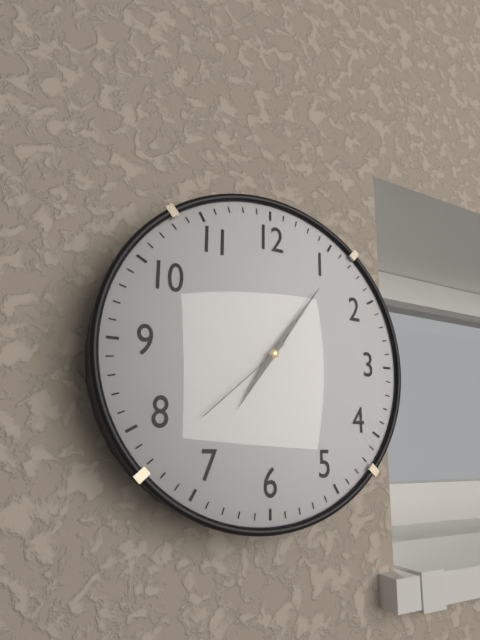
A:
7 h 06 min 38 s
